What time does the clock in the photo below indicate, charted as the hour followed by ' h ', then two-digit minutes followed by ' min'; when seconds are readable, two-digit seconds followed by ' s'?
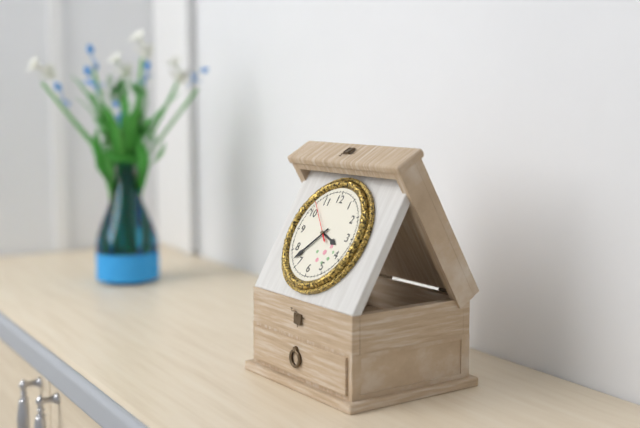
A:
3 h 37 min
